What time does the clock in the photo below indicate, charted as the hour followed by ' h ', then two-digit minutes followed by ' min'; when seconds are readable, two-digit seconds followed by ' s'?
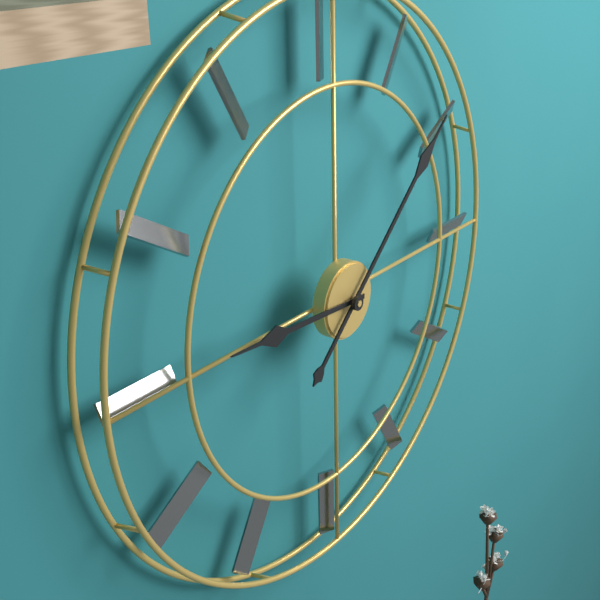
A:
9 h 08 min
